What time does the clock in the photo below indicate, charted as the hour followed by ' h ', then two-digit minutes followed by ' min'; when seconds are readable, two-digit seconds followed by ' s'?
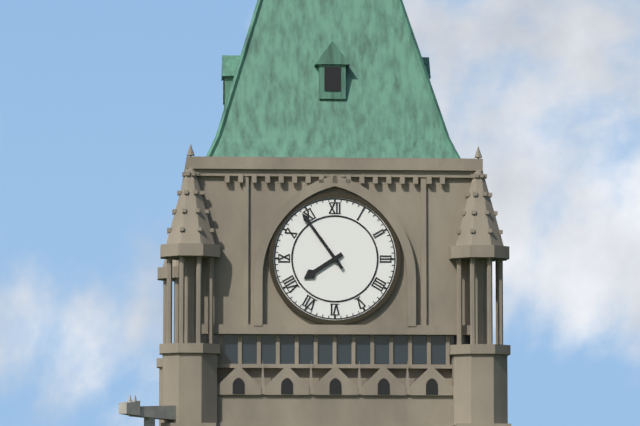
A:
7 h 54 min
